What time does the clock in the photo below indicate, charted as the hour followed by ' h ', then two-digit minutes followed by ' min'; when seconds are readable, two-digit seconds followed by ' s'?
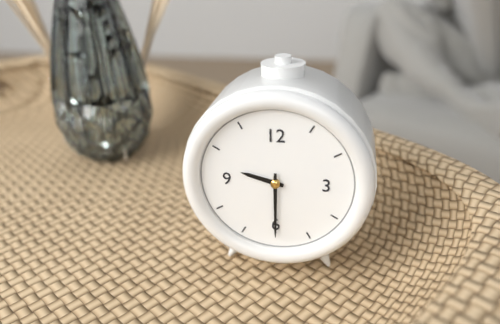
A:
9 h 30 min
